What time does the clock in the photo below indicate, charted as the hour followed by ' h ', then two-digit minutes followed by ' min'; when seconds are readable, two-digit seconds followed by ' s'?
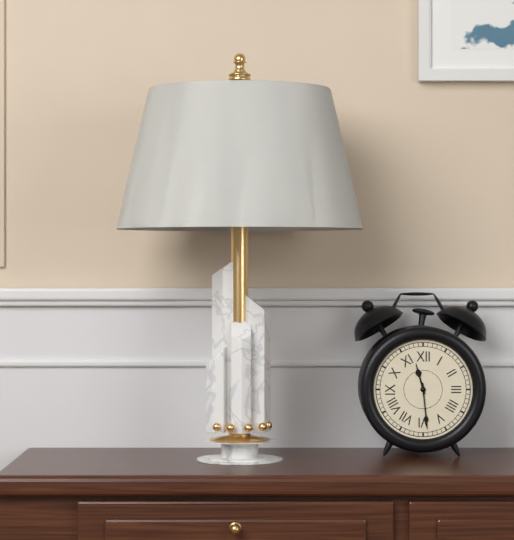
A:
11 h 29 min
